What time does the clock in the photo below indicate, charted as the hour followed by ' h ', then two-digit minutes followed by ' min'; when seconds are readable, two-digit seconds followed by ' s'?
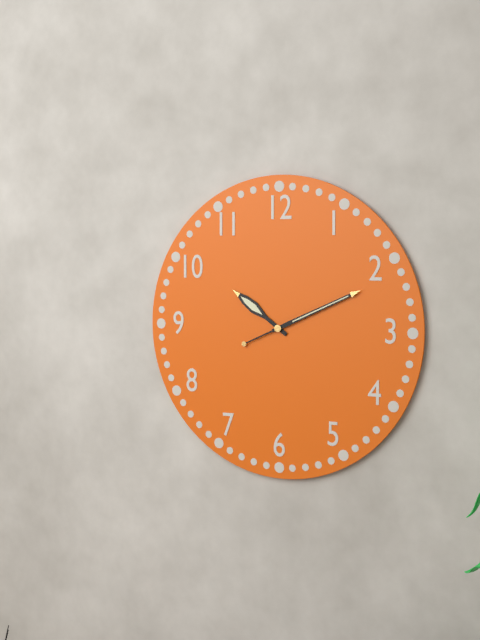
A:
10 h 11 min
